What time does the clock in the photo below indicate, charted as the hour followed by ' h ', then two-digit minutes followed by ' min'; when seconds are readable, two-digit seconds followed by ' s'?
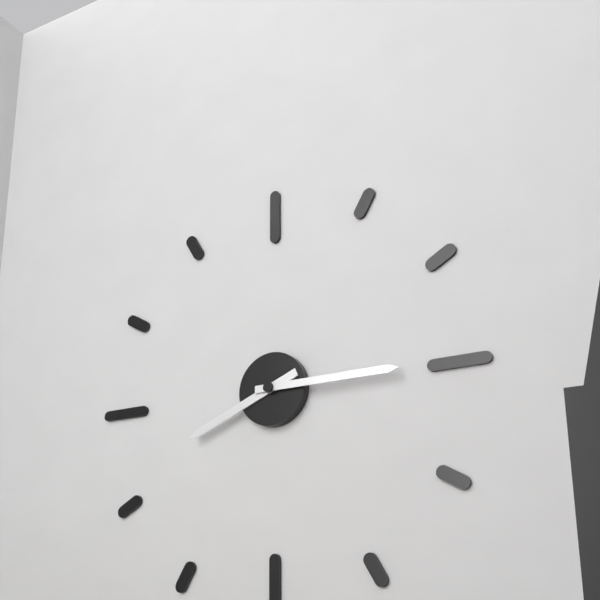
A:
8 h 15 min
